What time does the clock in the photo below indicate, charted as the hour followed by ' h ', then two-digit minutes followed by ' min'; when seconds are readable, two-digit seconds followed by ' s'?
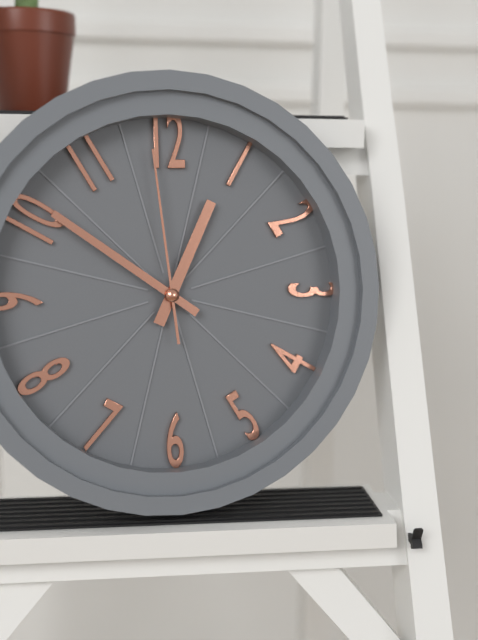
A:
12 h 51 min 59 s
